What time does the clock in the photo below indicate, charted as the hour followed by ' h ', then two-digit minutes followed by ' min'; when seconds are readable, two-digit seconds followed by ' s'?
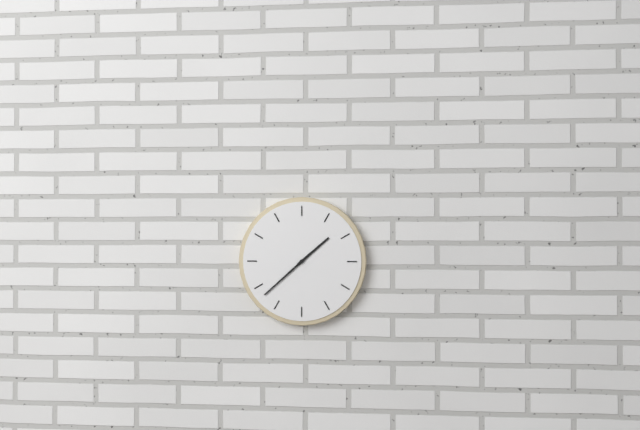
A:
1 h 38 min
